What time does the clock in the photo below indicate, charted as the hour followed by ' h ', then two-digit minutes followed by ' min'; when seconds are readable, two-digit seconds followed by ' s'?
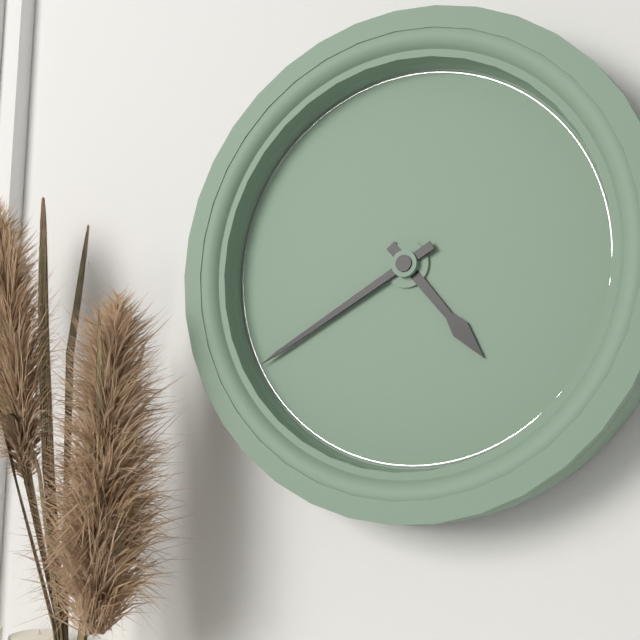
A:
4 h 40 min
